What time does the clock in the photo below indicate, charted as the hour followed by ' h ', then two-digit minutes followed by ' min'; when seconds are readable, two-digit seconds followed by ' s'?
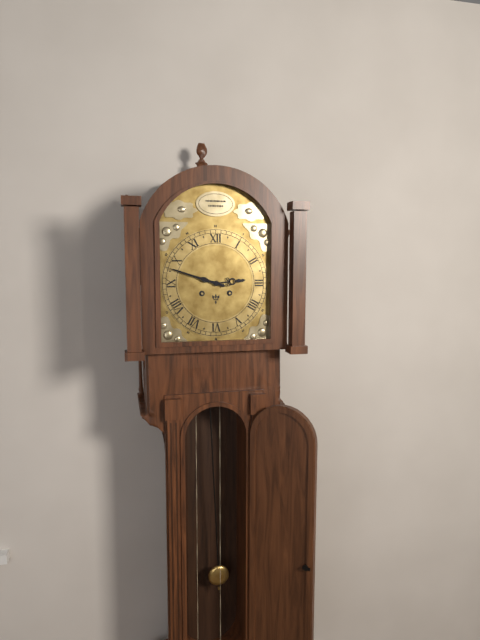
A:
2 h 48 min
